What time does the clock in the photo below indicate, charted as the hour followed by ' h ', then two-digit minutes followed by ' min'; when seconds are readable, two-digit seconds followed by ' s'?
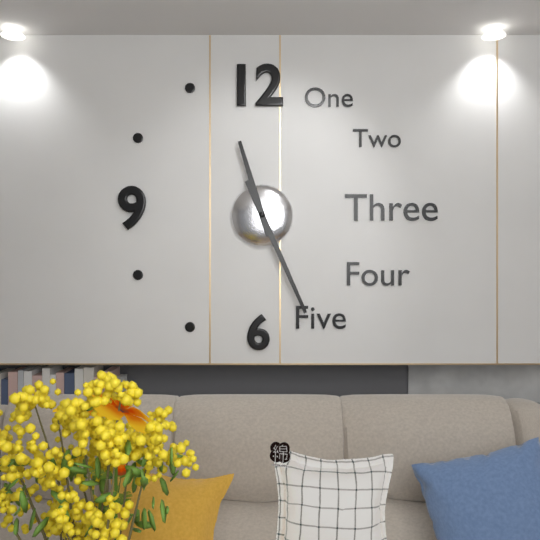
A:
11 h 26 min
